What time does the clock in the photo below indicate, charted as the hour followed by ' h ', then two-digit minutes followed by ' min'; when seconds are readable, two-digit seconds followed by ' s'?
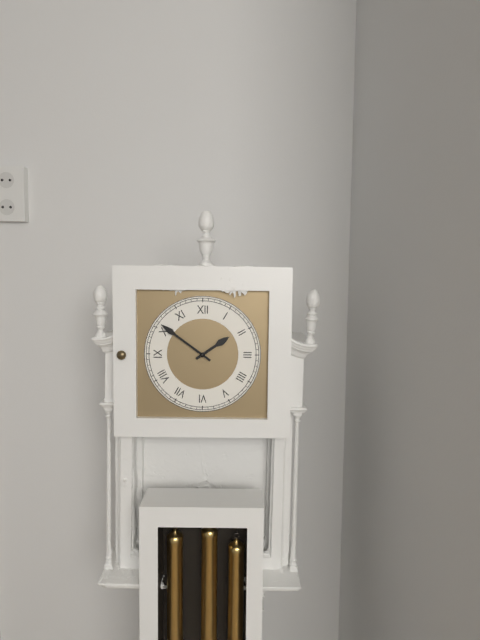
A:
1 h 51 min
